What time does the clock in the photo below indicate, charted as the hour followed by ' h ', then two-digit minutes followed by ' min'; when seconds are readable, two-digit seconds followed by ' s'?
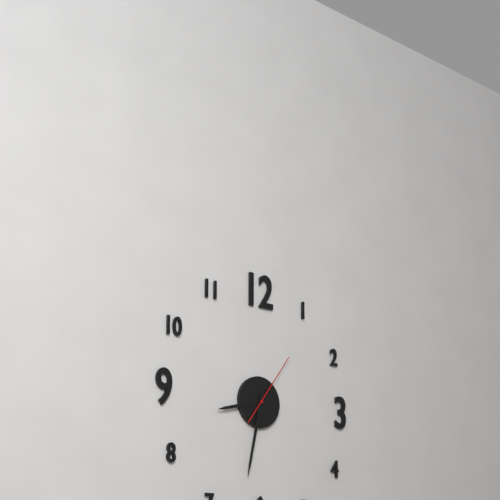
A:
8 h 32 min 06 s
